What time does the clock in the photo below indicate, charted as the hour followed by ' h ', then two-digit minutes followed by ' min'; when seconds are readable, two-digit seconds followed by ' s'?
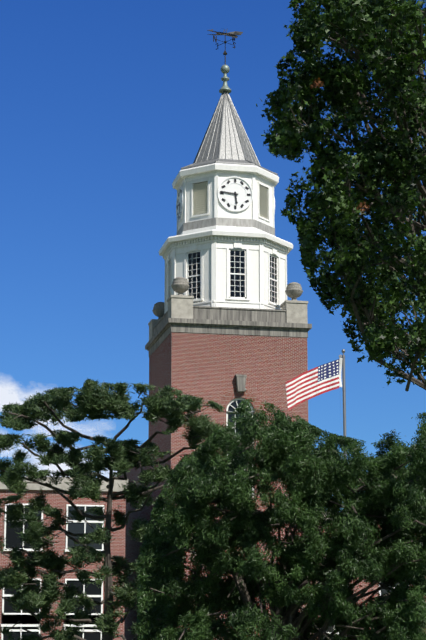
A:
5 h 46 min
